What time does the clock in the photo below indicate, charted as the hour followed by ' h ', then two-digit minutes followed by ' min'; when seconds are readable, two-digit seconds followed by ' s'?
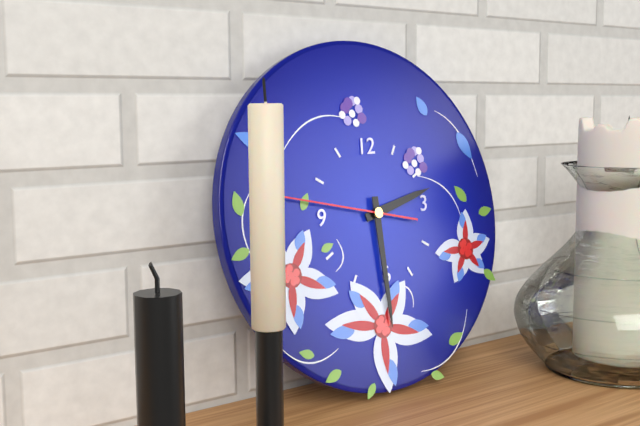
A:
2 h 30 min 47 s
